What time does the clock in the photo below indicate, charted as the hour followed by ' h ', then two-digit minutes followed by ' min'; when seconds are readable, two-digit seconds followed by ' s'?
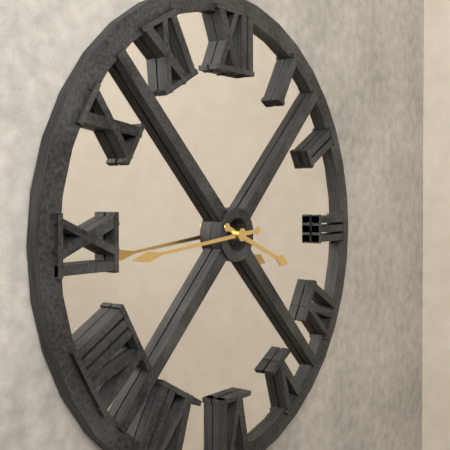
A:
3 h 44 min
